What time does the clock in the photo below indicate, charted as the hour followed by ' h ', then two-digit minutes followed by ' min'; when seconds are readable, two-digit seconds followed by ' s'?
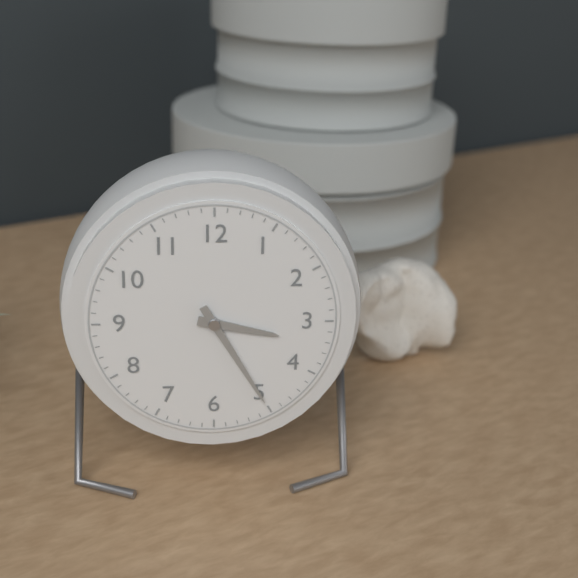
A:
3 h 25 min
